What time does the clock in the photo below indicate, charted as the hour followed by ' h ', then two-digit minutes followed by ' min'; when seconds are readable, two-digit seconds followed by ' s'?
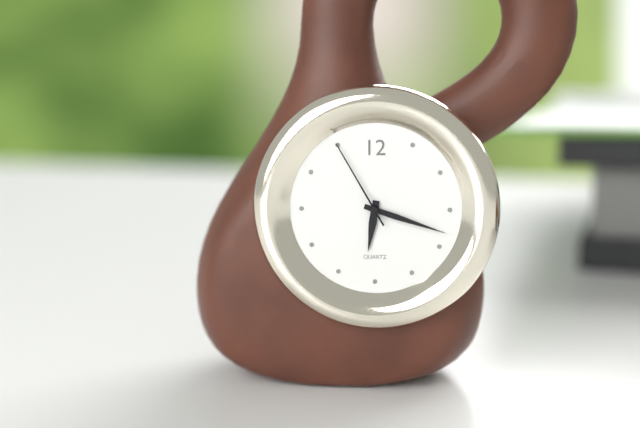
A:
6 h 18 min 55 s
